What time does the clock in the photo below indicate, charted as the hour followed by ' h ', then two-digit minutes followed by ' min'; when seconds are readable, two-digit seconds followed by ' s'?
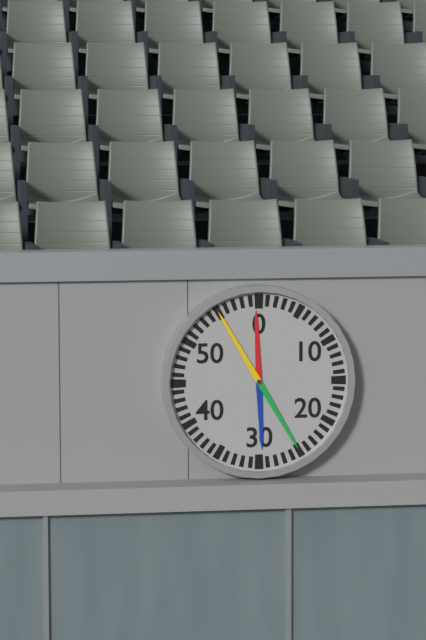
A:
11 h 55 min
